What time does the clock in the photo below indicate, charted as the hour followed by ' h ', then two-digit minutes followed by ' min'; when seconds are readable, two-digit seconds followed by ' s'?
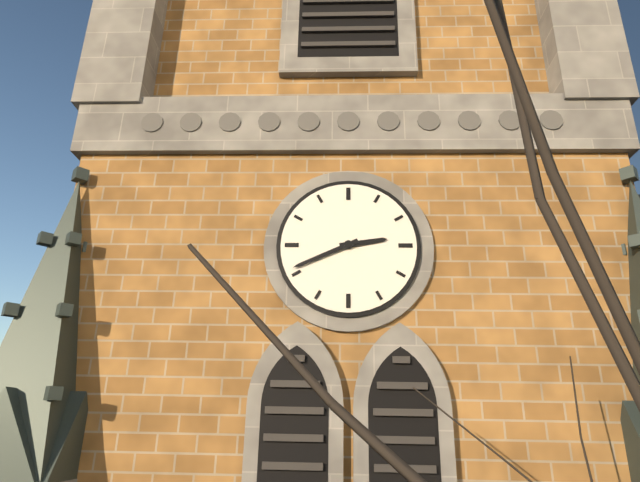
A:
2 h 41 min
